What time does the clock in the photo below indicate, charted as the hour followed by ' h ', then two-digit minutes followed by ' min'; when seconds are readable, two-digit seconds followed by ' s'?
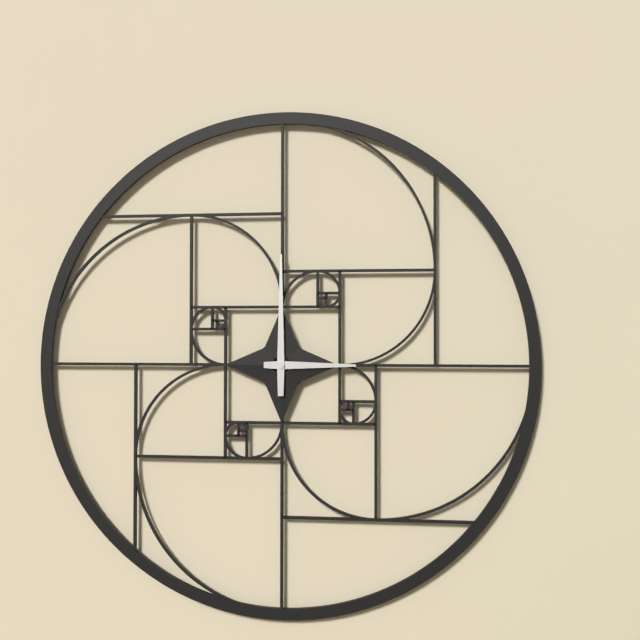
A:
3 h 00 min
